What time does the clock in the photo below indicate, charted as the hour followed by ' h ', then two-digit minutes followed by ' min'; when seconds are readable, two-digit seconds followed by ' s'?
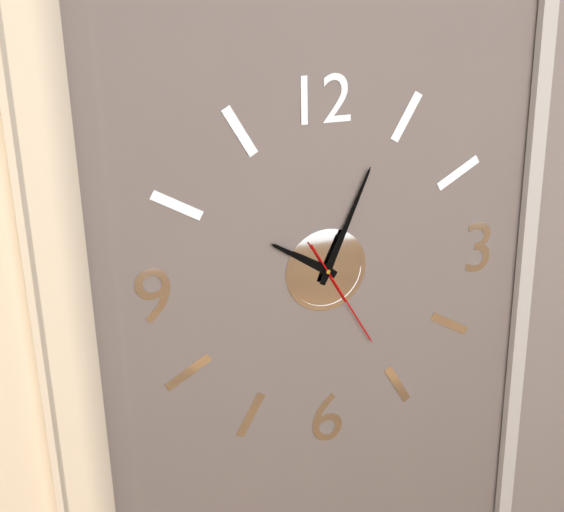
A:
10 h 04 min 25 s
